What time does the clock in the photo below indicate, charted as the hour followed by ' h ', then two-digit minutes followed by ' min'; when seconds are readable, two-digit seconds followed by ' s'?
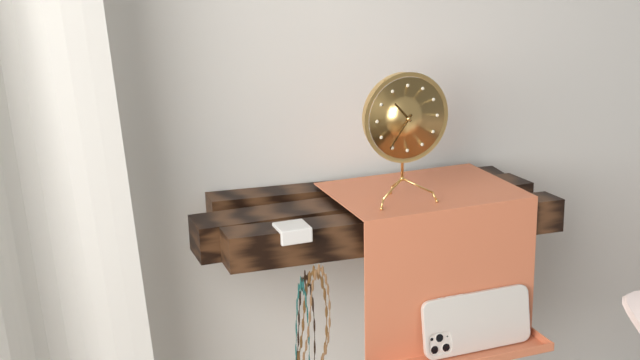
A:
10 h 36 min
